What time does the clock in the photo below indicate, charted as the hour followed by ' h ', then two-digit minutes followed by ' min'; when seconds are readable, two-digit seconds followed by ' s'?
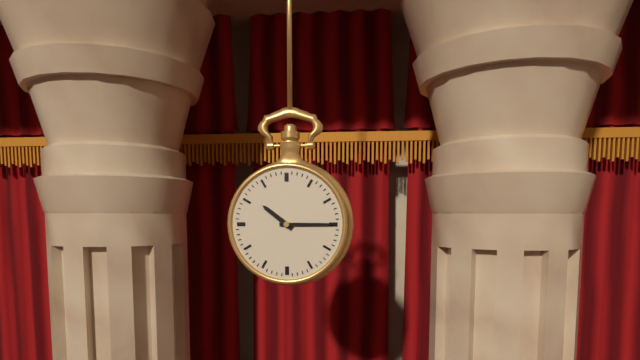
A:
10 h 15 min
